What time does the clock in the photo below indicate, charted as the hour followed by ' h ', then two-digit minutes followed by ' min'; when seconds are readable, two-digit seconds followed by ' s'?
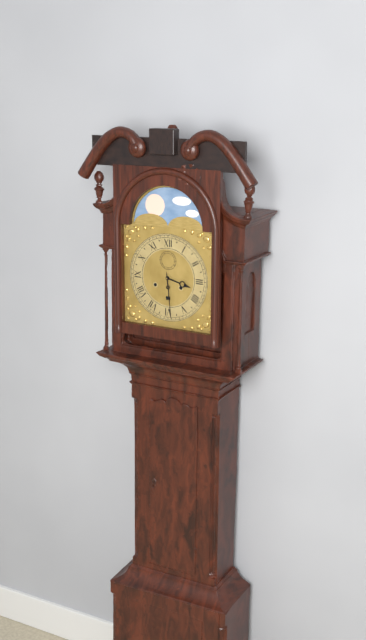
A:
3 h 29 min
